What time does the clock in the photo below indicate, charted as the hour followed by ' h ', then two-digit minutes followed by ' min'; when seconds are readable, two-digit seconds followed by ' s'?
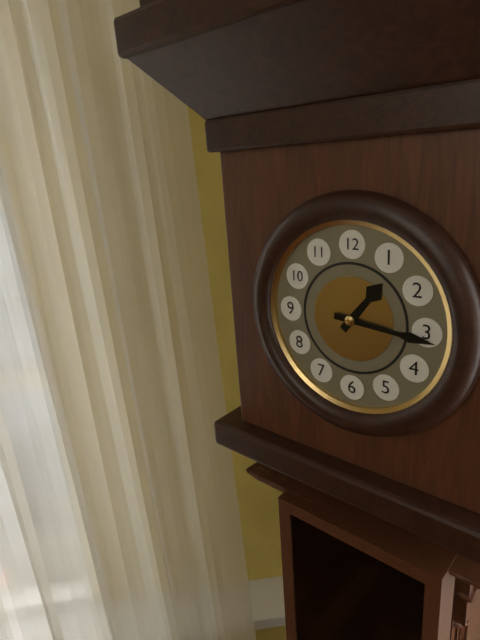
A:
1 h 16 min
